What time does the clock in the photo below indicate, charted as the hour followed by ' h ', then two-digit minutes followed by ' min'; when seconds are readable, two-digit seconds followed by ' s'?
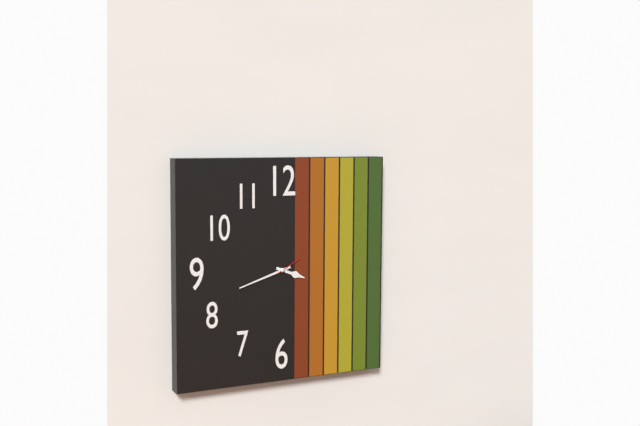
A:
3 h 42 min
